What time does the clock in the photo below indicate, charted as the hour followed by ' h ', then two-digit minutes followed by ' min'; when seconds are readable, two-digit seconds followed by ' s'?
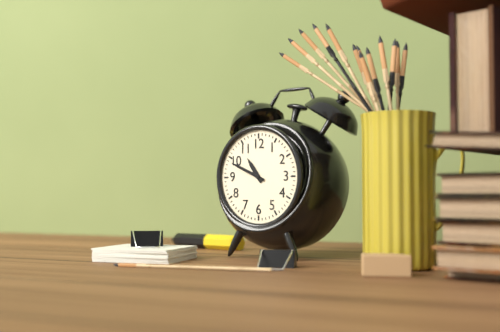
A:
10 h 49 min
